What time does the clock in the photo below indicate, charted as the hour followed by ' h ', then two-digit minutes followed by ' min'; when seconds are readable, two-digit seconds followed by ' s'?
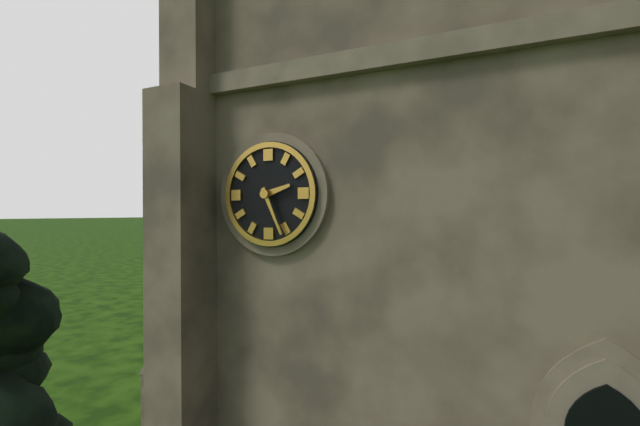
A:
2 h 26 min
